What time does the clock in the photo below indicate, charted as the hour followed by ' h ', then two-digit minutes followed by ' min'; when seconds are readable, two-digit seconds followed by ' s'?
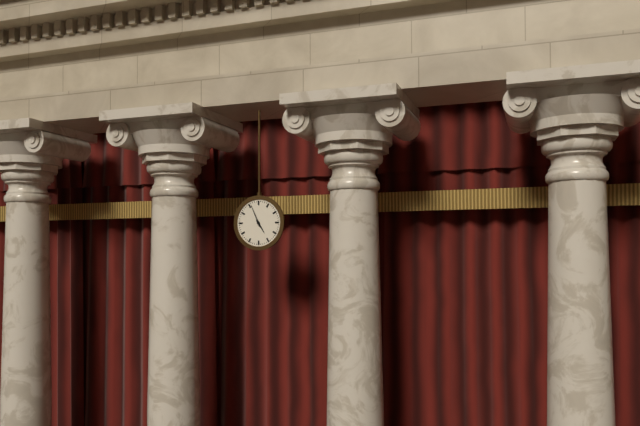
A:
4 h 56 min
